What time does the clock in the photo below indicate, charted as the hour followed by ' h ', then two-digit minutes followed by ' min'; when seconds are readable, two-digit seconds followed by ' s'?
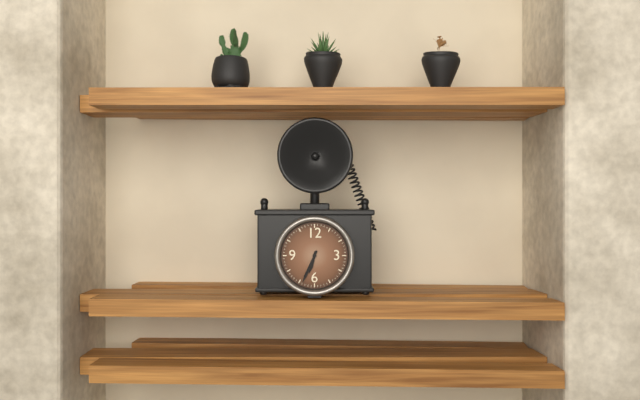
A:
6 h 34 min
